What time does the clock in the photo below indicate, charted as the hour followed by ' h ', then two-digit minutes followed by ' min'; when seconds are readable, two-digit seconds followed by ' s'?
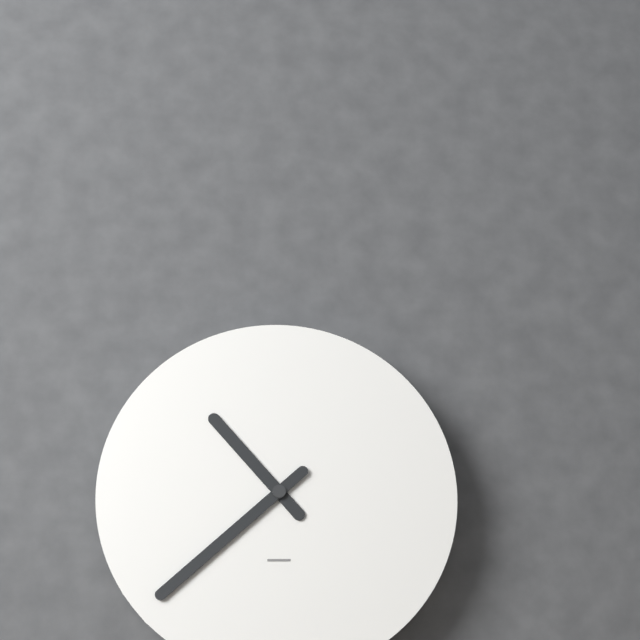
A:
10 h 38 min
